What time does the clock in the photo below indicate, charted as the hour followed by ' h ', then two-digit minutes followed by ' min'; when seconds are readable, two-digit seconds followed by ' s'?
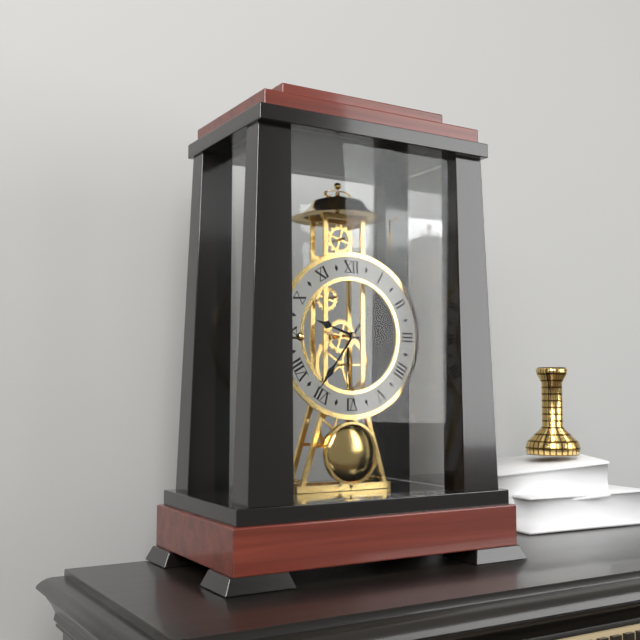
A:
9 h 36 min
